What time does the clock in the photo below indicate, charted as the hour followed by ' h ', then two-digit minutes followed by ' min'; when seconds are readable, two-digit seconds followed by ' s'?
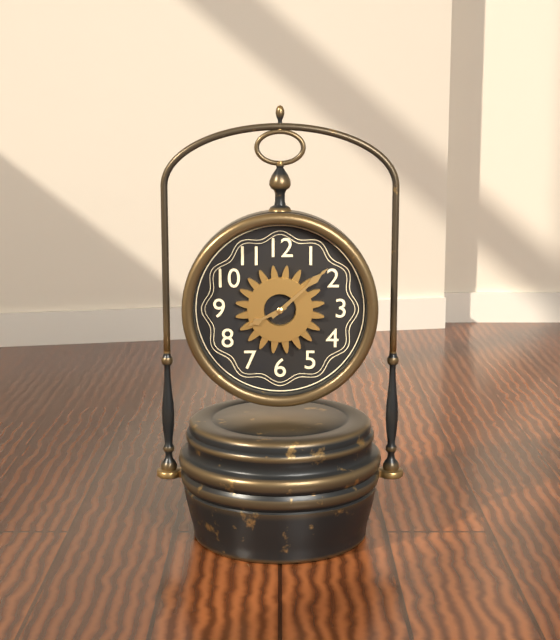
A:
8 h 08 min
